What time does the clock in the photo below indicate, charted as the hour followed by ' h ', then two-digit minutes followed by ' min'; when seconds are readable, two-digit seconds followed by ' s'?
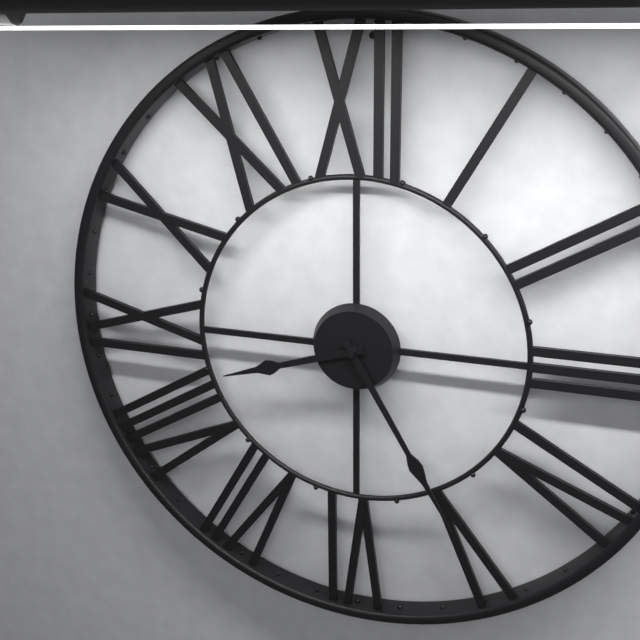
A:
8 h 25 min
